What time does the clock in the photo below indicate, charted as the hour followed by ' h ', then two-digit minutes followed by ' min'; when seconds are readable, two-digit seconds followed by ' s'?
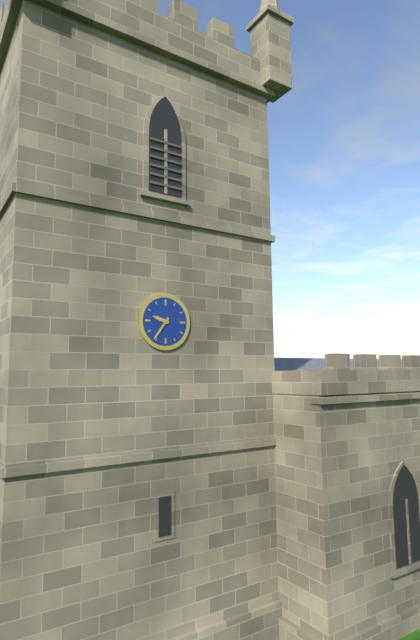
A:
9 h 36 min
